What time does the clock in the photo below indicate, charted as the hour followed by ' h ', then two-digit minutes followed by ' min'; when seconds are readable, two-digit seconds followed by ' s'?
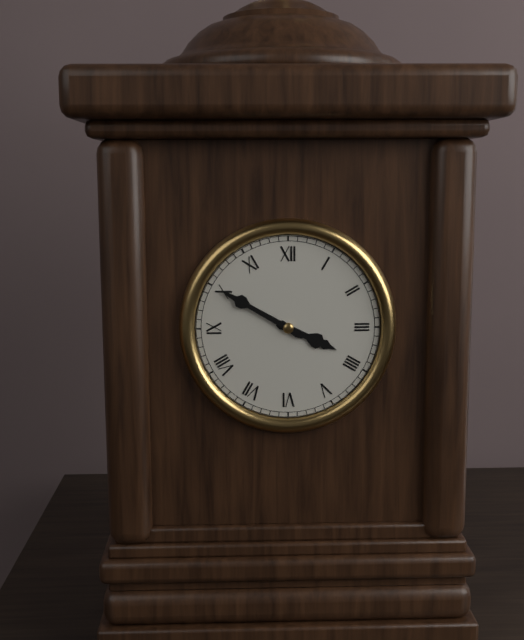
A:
3 h 50 min
